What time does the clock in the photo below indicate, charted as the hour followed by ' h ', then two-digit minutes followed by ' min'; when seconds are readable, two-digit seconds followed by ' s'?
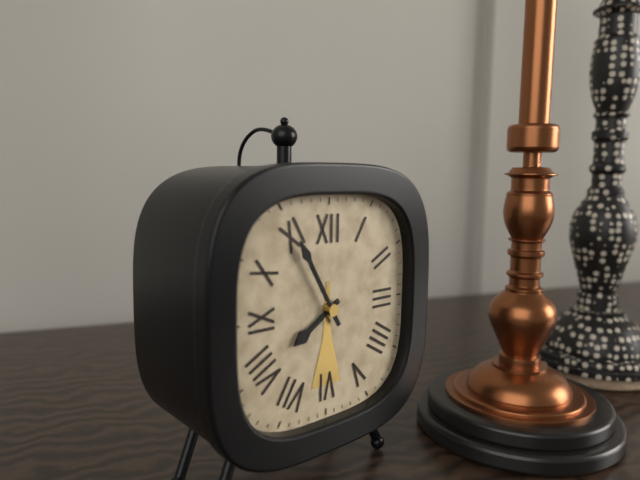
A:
7 h 55 min
